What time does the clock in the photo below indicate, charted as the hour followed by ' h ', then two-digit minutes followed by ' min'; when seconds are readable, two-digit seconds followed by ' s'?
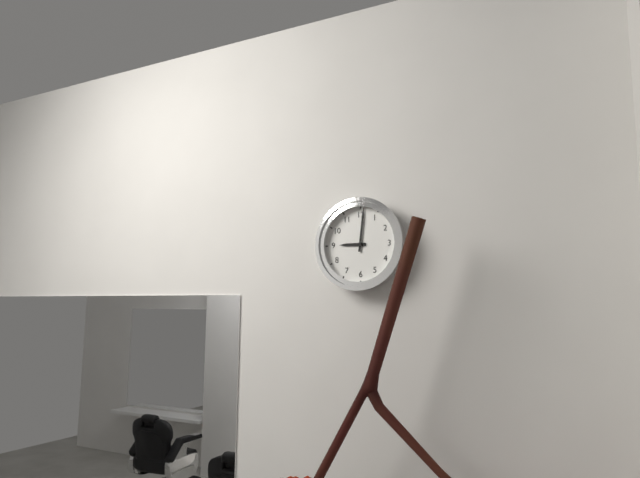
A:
9 h 01 min
